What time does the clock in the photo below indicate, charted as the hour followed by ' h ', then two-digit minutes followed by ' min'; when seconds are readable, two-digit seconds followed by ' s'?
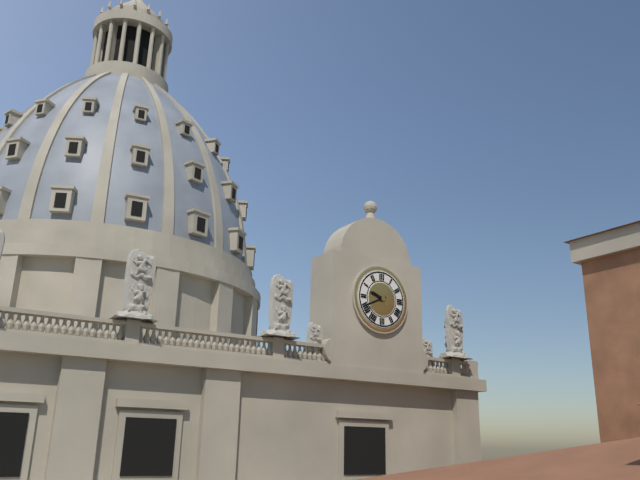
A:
9 h 41 min
